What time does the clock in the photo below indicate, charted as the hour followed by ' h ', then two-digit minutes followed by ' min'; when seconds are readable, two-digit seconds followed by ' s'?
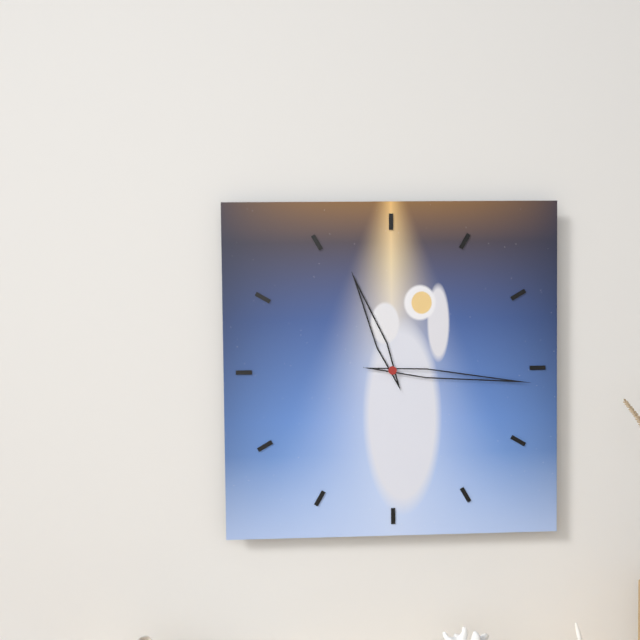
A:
11 h 16 min
